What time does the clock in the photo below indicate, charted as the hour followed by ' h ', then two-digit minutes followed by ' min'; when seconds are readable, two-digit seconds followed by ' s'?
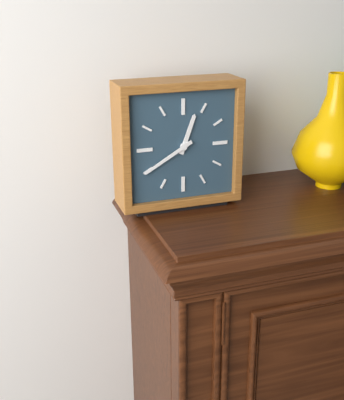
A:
12 h 40 min
